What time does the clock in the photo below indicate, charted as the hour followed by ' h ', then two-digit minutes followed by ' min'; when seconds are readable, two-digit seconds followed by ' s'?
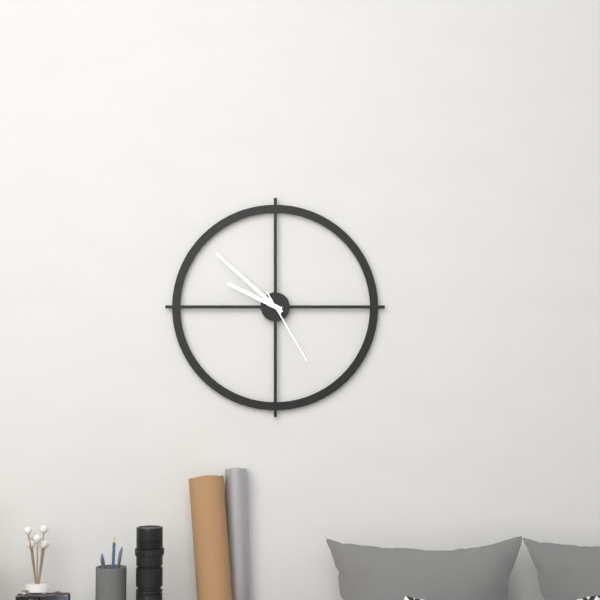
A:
9 h 52 min 25 s
